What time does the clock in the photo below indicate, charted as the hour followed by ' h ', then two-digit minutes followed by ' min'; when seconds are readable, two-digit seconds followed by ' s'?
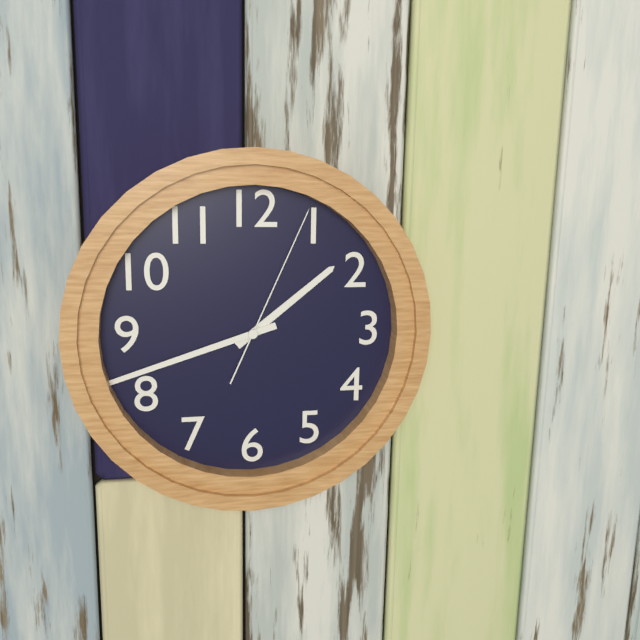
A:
1 h 42 min 04 s
